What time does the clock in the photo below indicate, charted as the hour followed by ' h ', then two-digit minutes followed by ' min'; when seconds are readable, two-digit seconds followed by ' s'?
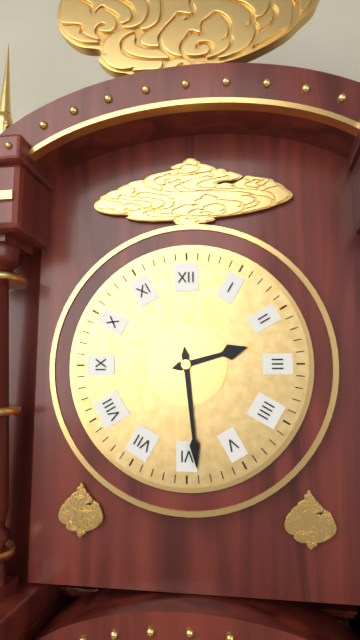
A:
2 h 29 min
